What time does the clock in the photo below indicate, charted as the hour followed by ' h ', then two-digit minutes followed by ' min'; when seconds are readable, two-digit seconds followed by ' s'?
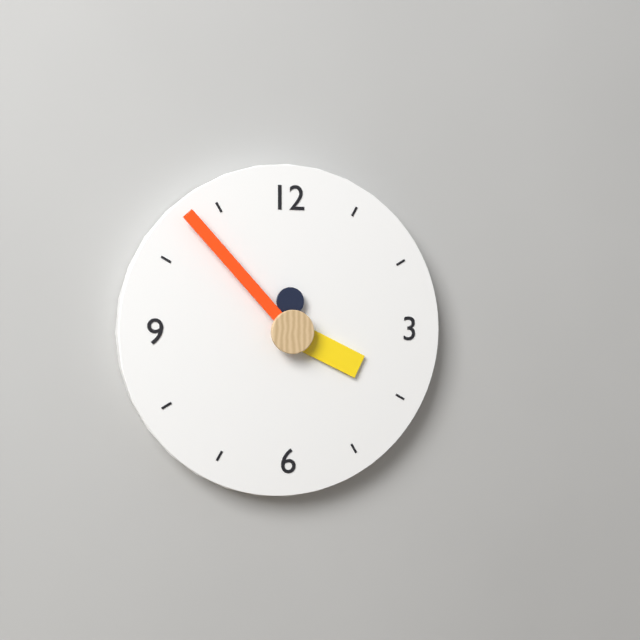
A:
3 h 53 min
